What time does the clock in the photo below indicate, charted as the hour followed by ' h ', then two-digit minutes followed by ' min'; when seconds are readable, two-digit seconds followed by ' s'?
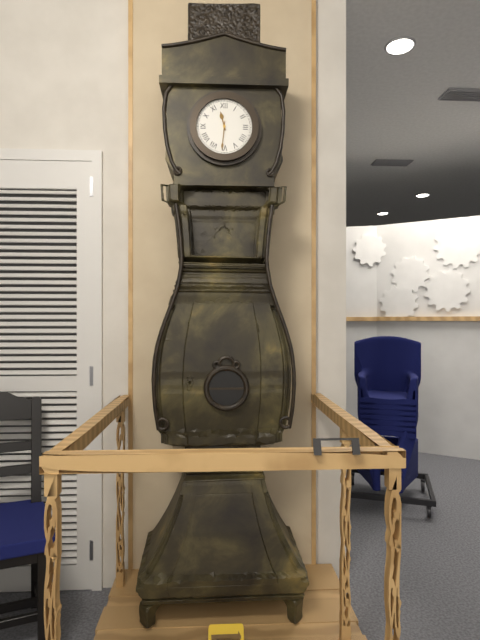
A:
11 h 31 min
